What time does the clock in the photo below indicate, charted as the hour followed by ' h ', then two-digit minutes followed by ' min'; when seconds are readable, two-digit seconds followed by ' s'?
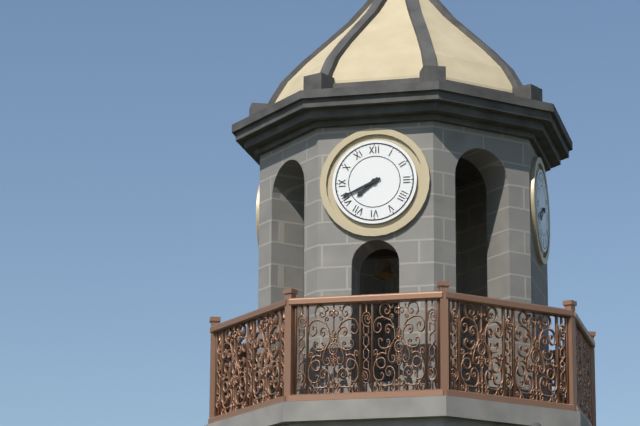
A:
7 h 41 min
